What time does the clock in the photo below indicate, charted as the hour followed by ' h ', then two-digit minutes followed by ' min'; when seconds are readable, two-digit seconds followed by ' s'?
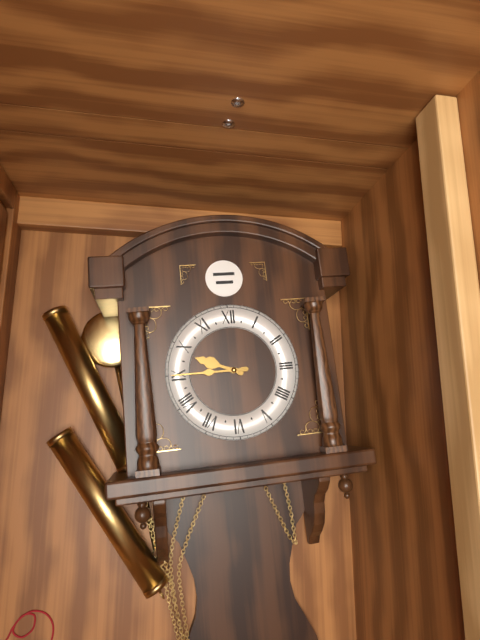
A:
9 h 45 min
